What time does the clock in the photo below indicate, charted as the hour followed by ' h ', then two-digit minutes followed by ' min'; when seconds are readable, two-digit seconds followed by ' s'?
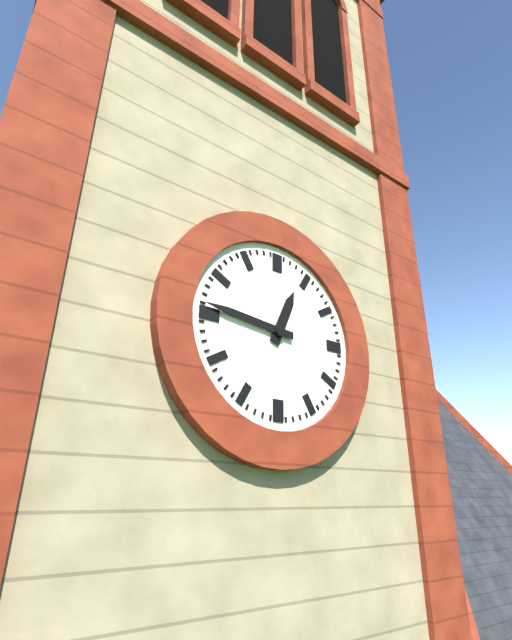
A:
12 h 46 min
